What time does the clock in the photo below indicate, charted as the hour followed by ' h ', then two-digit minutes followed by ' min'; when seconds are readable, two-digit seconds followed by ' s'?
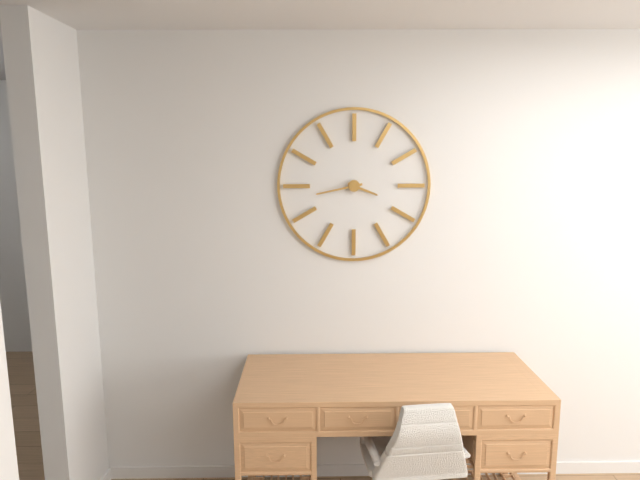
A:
3 h 43 min
